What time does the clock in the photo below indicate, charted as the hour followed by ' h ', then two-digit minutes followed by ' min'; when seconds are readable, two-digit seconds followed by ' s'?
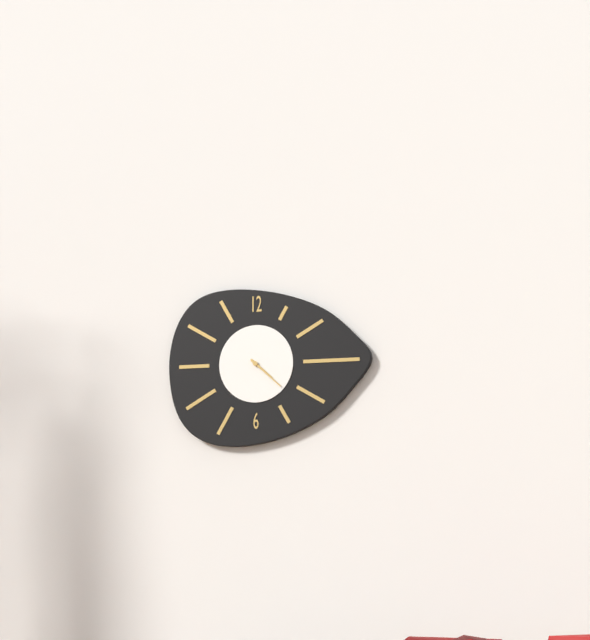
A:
4 h 22 min
